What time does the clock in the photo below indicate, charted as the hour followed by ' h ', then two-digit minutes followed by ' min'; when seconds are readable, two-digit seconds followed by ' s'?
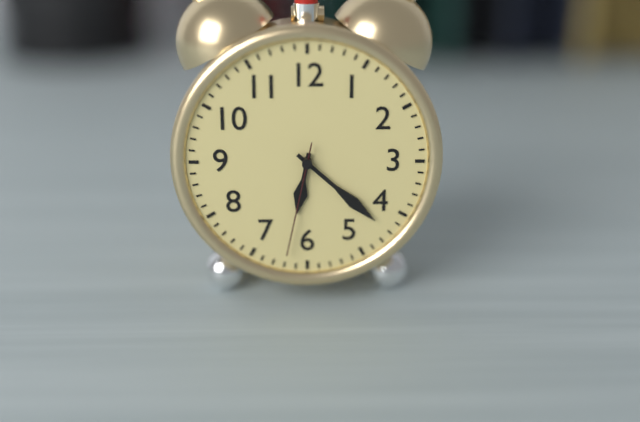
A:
6 h 22 min 32 s
